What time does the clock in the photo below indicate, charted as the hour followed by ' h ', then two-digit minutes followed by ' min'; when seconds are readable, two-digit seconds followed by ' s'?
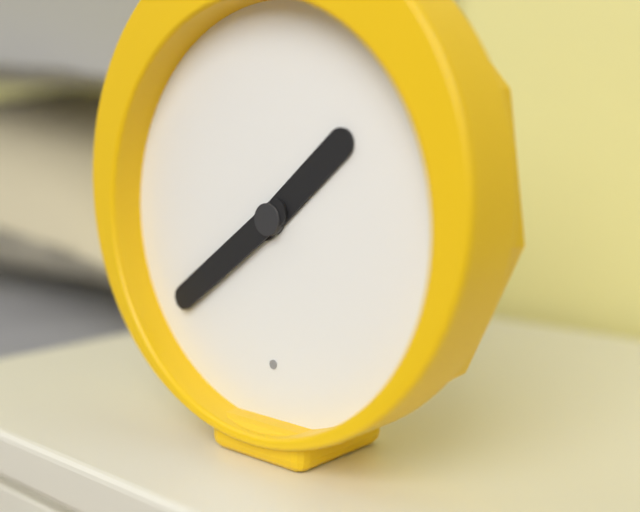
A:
1 h 39 min
